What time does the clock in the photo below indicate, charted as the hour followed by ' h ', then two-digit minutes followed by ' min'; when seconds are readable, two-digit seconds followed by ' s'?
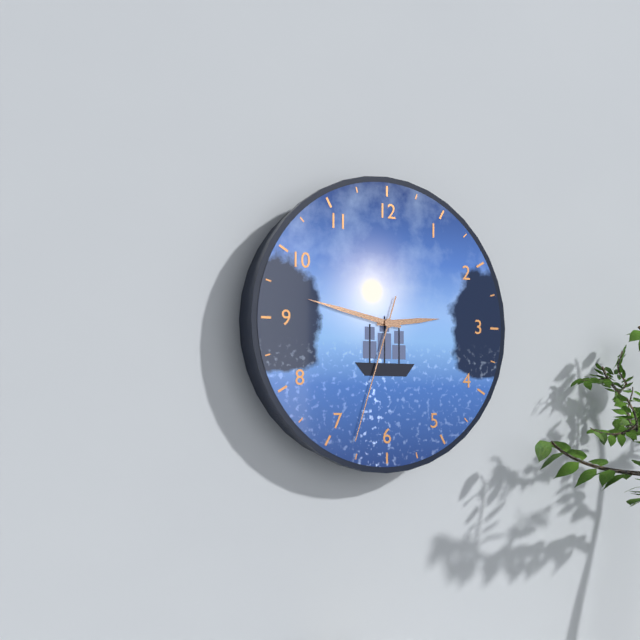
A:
2 h 47 min 33 s
